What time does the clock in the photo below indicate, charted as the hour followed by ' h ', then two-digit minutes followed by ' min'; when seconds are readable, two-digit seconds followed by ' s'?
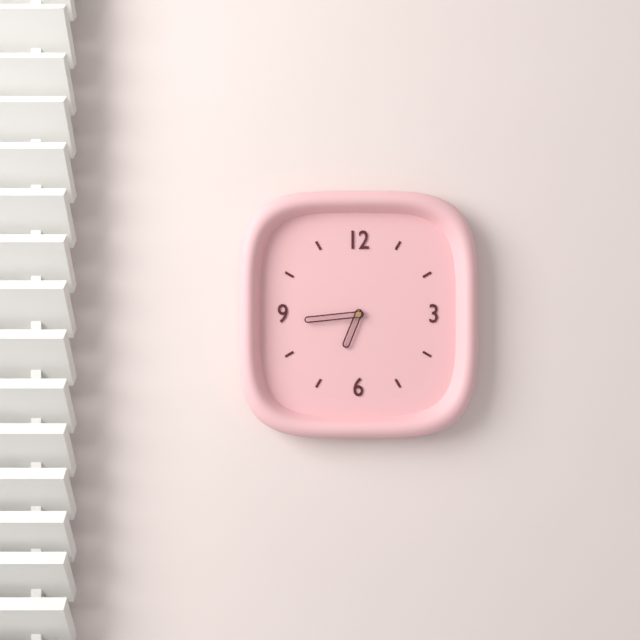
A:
6 h 44 min
